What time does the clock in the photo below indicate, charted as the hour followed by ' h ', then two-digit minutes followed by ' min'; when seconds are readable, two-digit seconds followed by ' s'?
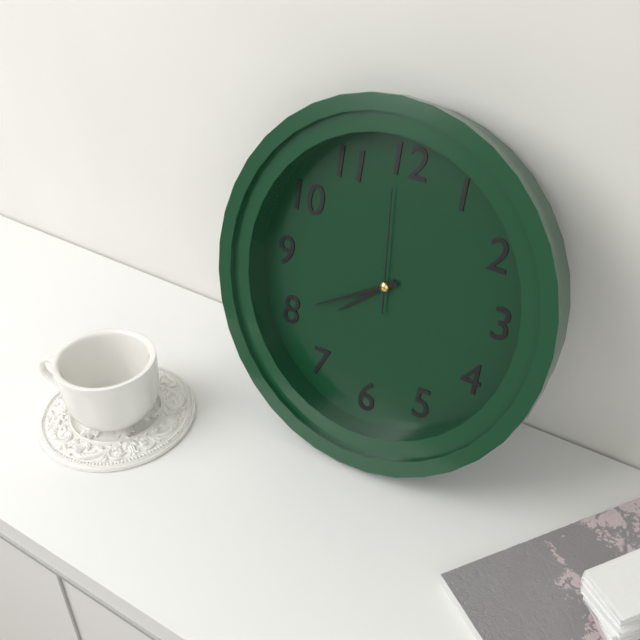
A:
7 h 40 min 59 s
